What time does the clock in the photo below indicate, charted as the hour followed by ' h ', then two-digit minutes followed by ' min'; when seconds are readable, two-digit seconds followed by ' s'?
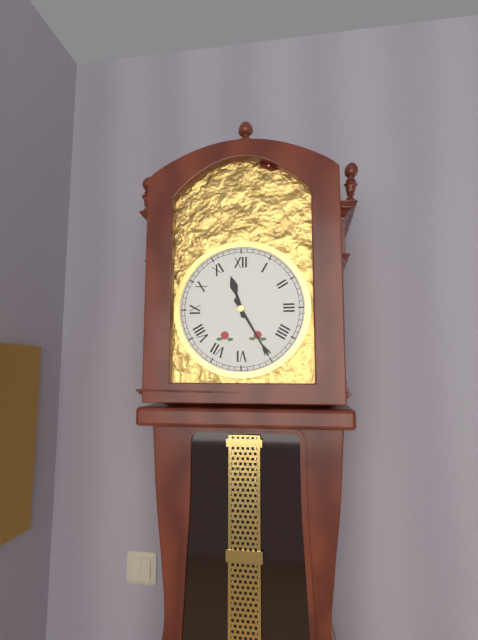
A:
11 h 25 min
